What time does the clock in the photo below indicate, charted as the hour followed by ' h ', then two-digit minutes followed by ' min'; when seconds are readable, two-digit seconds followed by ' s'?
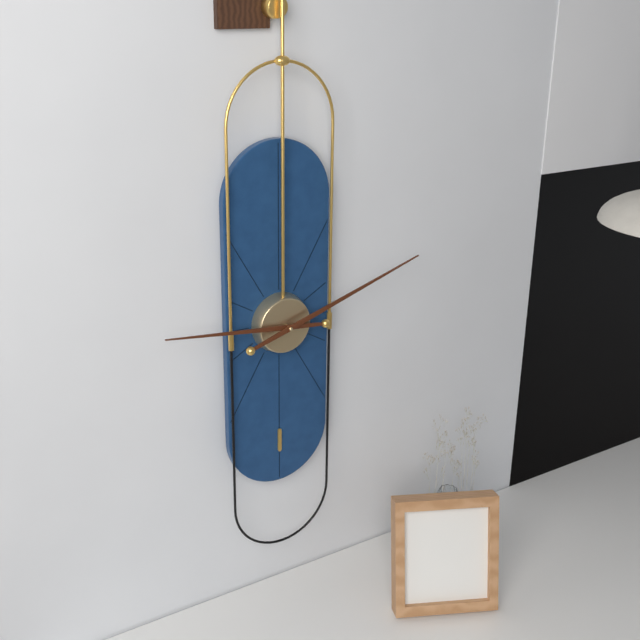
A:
9 h 12 min
